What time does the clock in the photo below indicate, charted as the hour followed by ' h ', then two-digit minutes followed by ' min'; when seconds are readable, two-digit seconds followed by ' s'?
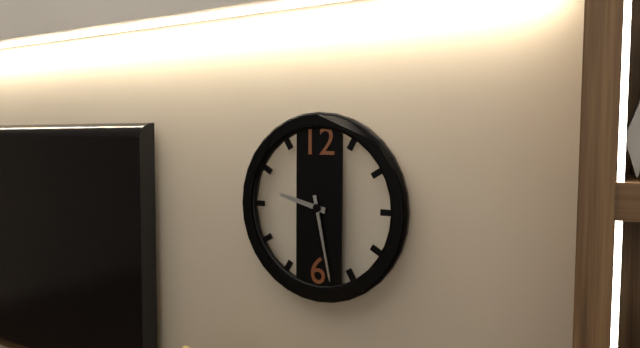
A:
9 h 28 min
